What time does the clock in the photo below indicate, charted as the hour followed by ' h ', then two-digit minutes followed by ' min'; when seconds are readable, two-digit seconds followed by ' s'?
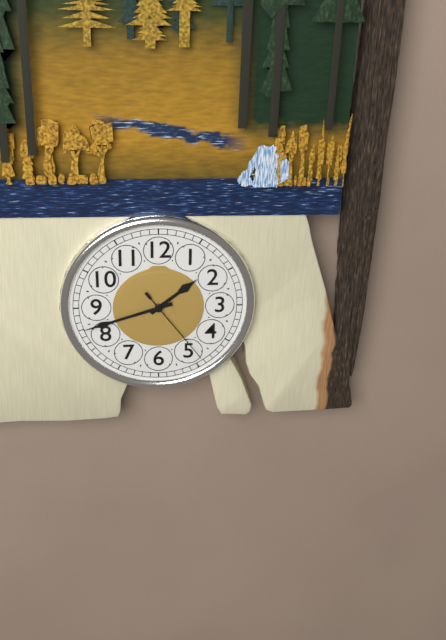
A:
1 h 42 min 24 s
